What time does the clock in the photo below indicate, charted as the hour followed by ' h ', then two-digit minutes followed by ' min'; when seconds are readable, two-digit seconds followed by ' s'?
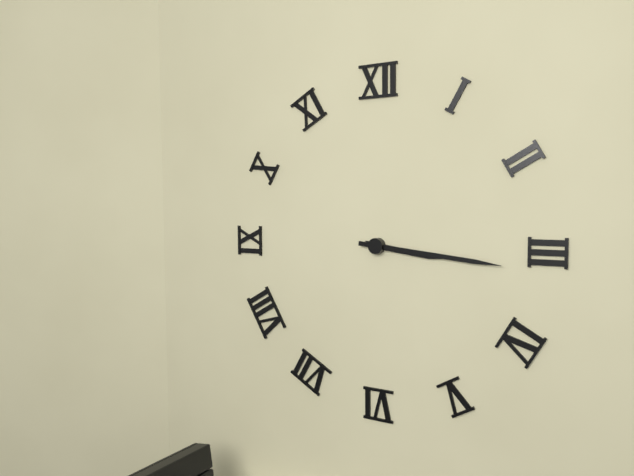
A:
3 h 16 min
